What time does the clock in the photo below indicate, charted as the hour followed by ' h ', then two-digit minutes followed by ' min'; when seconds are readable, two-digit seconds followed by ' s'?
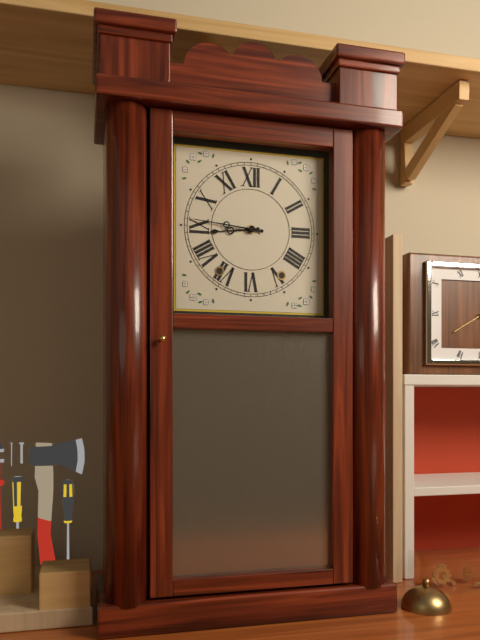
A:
8 h 46 min
